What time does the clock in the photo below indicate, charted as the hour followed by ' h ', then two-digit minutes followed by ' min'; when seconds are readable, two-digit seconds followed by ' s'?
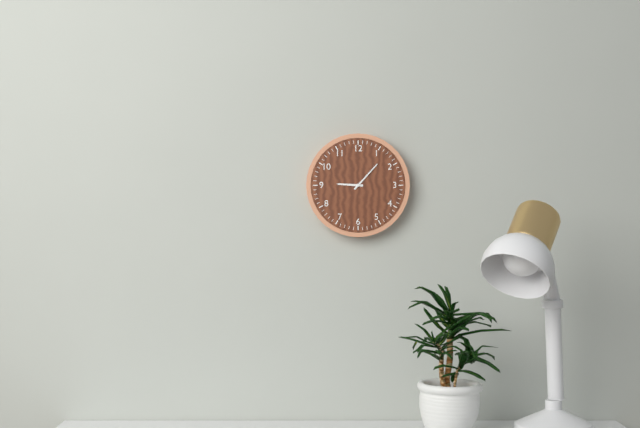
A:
9 h 07 min
